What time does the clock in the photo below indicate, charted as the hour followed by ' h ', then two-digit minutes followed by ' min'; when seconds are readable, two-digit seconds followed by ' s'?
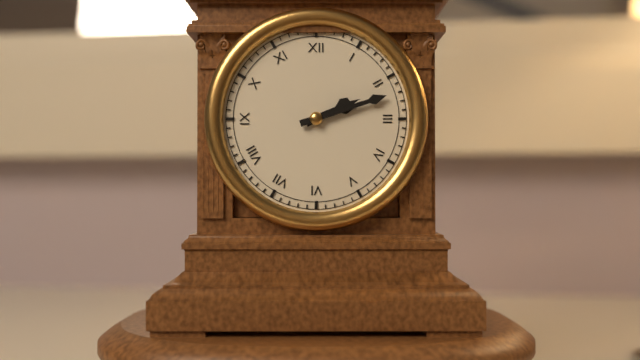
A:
2 h 12 min
